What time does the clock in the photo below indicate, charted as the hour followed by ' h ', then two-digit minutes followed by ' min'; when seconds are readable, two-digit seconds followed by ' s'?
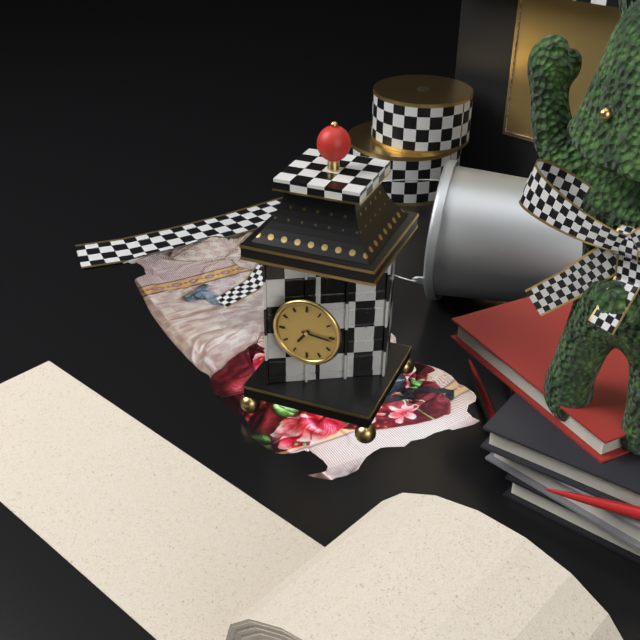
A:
7 h 16 min
